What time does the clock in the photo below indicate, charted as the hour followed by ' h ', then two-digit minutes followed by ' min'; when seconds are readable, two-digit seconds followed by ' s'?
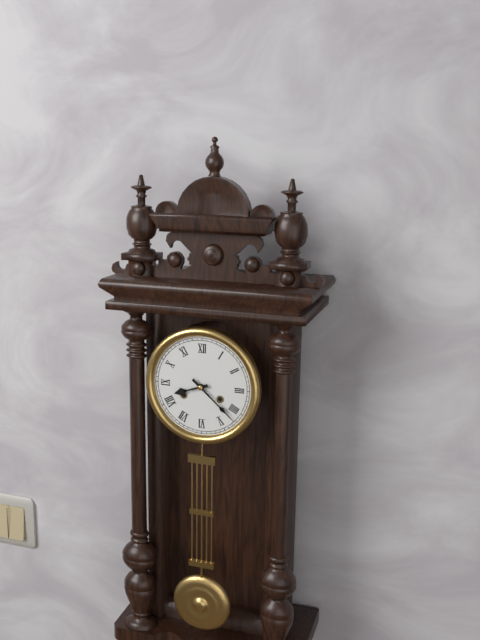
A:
8 h 22 min
